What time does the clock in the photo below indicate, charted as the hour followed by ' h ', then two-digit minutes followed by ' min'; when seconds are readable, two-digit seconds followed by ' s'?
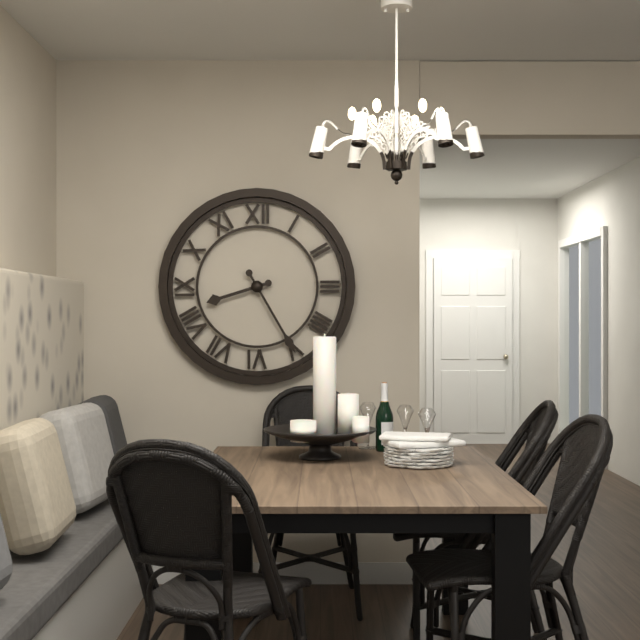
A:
8 h 25 min
